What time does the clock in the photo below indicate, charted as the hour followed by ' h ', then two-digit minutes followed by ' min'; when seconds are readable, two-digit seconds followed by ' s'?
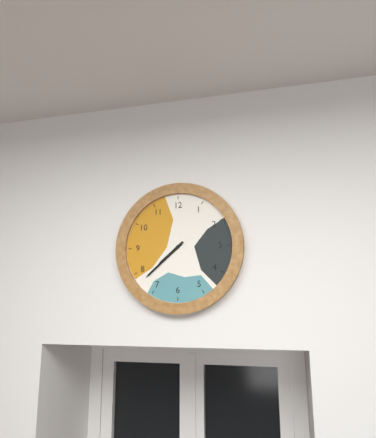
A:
7 h 38 min
